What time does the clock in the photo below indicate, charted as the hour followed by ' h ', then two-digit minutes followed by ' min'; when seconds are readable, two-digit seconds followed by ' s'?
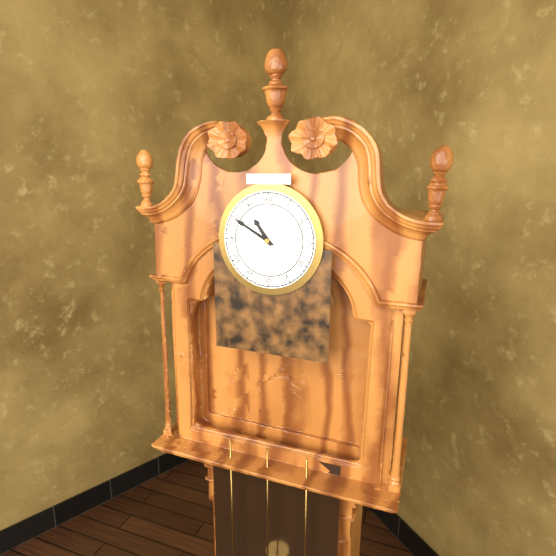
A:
10 h 50 min
